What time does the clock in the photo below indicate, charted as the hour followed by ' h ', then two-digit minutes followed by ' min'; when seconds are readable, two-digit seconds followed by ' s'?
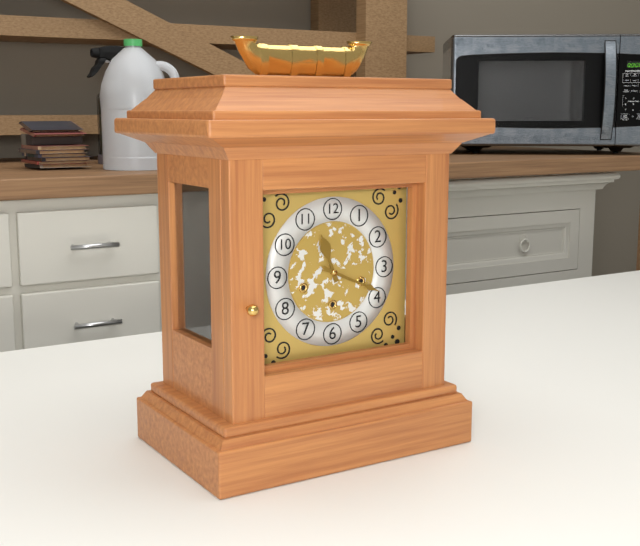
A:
11 h 19 min
